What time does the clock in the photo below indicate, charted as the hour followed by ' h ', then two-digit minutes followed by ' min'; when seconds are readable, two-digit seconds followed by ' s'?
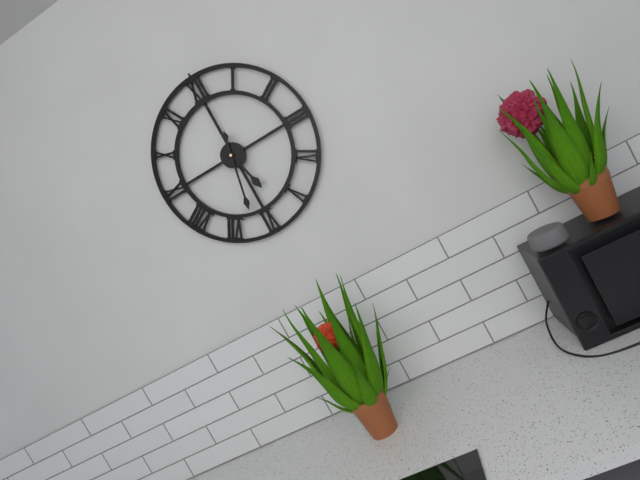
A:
5 h 32 min
